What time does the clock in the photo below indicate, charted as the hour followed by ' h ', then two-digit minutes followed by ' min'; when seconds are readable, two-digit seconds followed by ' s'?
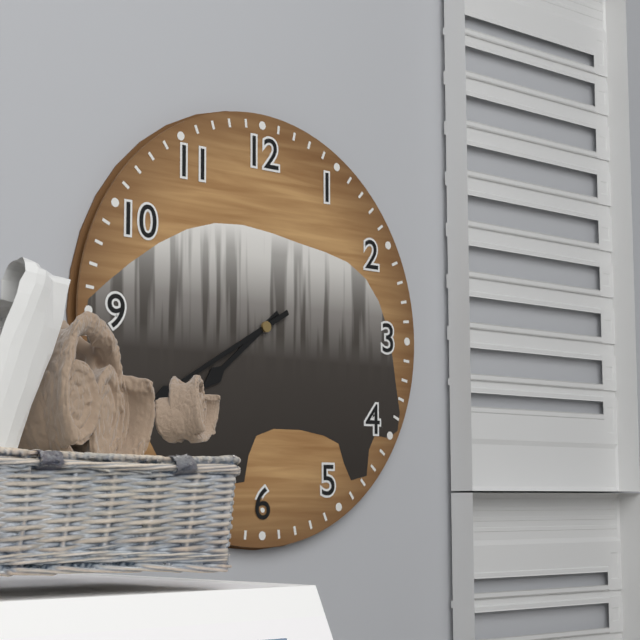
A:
7 h 40 min
